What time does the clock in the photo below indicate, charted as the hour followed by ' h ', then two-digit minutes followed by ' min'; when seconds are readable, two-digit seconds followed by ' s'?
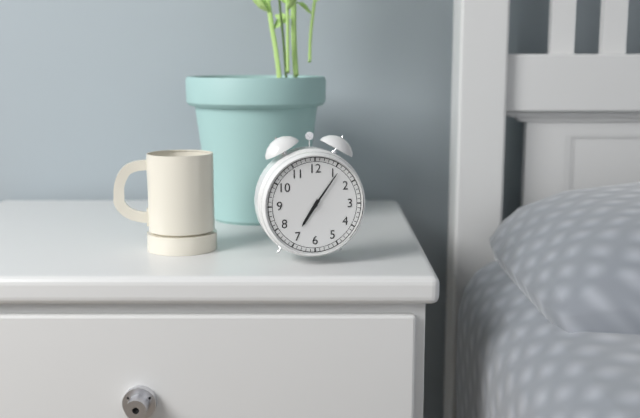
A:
7 h 06 min
